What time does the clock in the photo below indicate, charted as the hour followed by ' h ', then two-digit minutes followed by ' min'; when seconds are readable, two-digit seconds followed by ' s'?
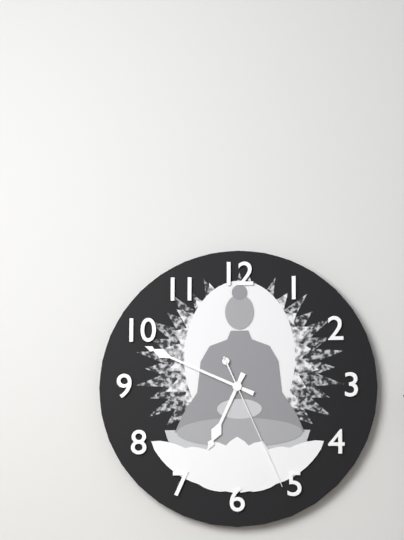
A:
6 h 49 min 26 s
